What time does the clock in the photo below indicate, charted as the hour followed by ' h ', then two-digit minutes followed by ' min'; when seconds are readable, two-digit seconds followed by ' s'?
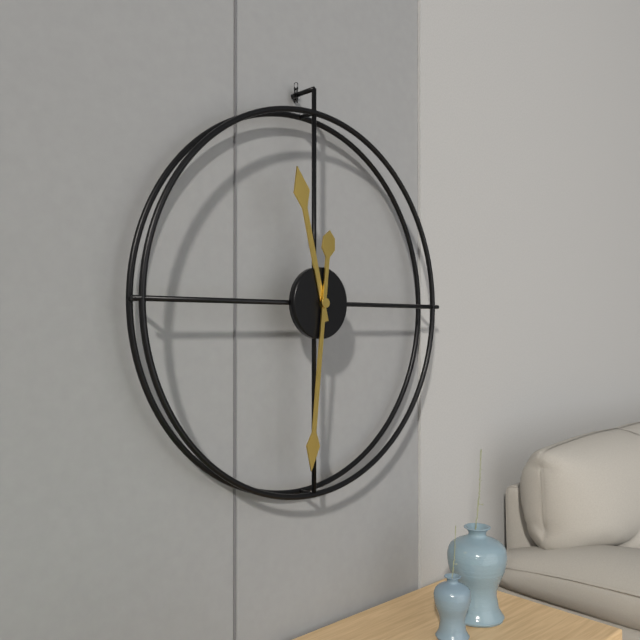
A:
11 h 31 min
